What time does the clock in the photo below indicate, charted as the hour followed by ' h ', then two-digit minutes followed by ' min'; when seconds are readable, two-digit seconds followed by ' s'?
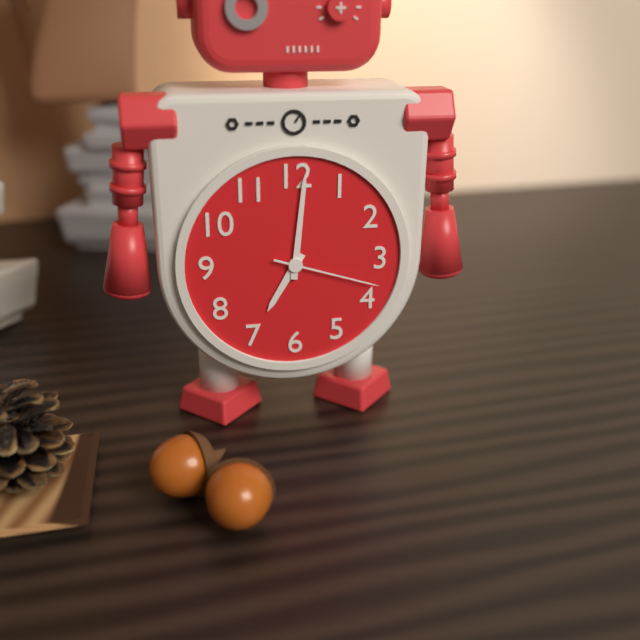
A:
7 h 01 min 18 s
